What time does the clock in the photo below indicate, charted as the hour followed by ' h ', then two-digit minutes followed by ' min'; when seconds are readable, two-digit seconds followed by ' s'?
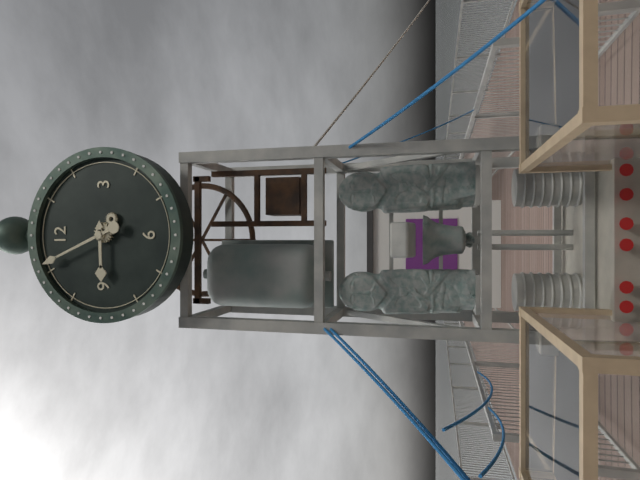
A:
8 h 56 min
